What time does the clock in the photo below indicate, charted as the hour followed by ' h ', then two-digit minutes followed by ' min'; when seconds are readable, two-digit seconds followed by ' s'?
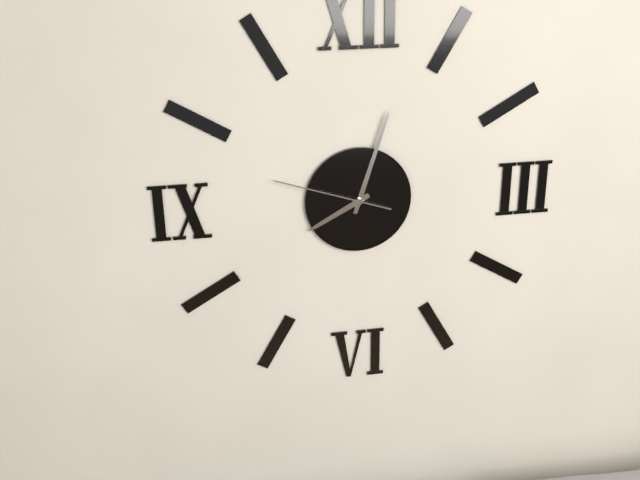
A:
8 h 03 min 48 s
